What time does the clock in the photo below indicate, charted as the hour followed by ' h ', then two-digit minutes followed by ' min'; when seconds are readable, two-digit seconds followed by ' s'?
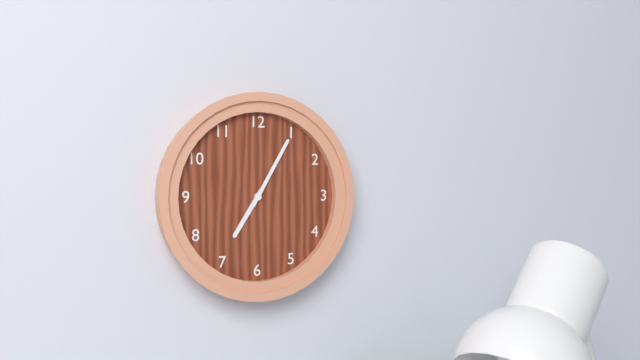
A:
7 h 05 min
